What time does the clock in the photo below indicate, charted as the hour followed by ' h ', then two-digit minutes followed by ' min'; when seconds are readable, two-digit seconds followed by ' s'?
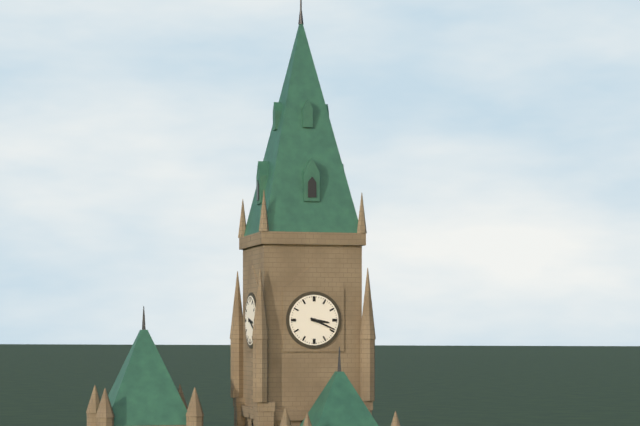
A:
3 h 19 min
